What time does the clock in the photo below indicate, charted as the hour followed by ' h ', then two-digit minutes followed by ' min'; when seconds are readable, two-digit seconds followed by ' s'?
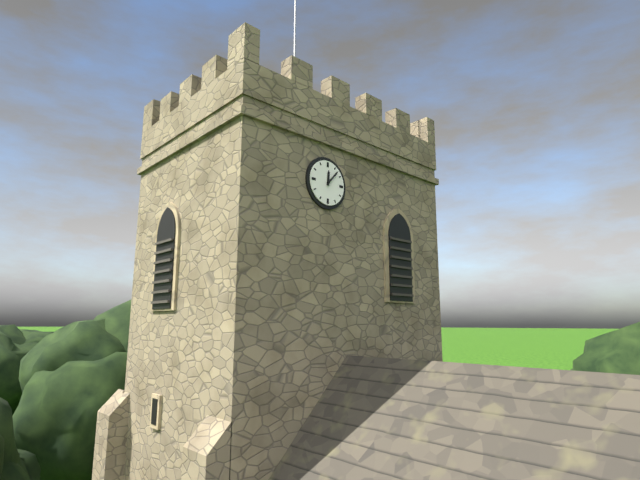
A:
12 h 07 min
